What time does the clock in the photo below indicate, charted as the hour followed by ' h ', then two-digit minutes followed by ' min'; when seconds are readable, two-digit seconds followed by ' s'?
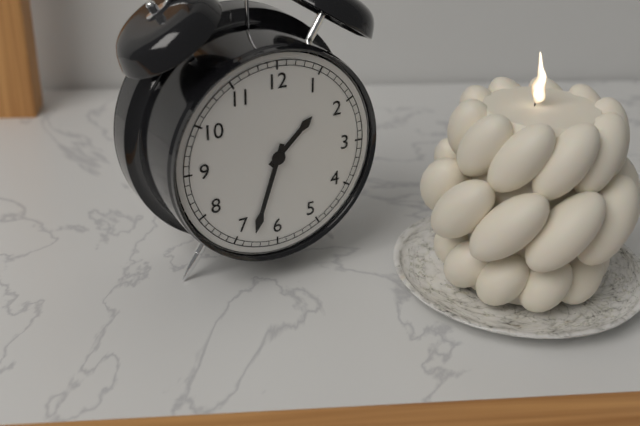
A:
1 h 33 min
